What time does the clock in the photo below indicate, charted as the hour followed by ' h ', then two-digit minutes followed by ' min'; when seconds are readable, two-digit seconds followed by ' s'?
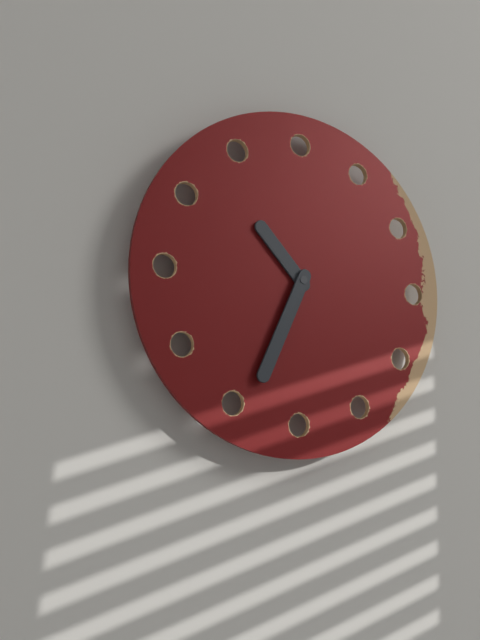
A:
10 h 34 min
